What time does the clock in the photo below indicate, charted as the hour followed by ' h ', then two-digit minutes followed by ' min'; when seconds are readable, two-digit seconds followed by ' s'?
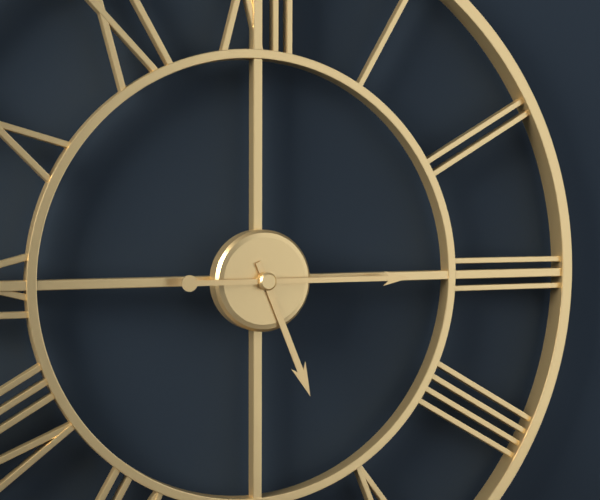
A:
5 h 15 min
